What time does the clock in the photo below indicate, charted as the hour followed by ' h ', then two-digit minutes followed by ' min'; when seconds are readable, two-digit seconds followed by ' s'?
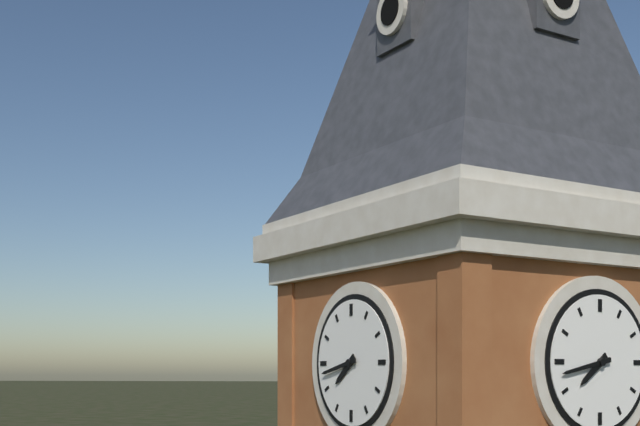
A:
7 h 43 min
